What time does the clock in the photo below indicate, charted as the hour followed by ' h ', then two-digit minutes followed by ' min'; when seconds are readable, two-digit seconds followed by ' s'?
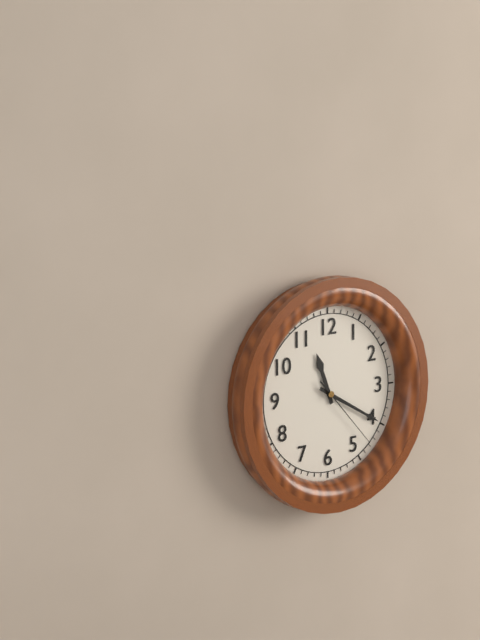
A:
11 h 20 min 23 s
